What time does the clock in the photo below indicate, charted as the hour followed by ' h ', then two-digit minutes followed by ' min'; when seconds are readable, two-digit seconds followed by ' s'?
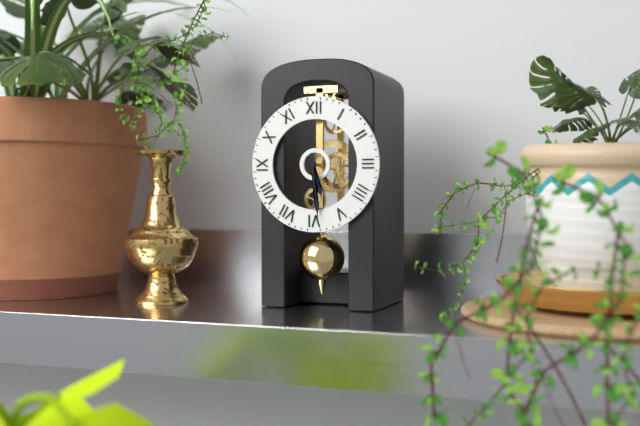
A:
5 h 29 min
